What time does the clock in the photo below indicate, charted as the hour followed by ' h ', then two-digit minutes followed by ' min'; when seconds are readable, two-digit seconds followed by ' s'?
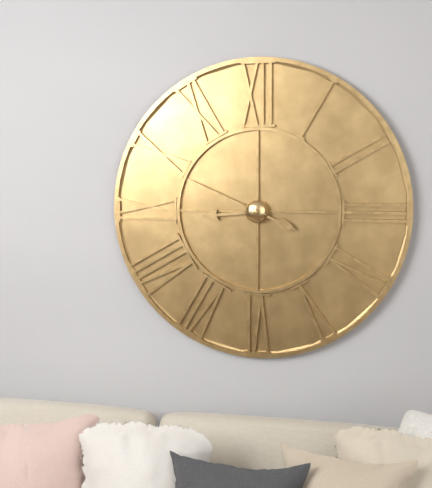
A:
8 h 49 min
